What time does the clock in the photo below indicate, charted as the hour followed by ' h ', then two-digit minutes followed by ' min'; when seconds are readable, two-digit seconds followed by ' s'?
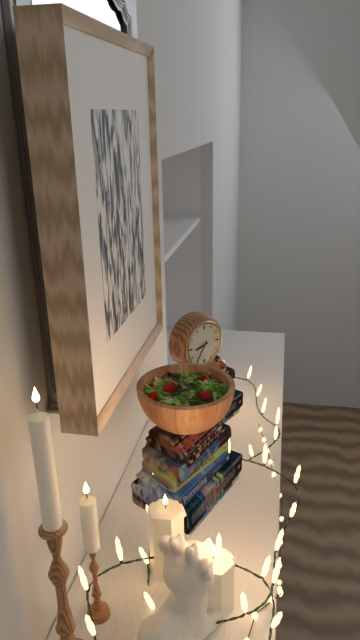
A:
8 h 36 min
